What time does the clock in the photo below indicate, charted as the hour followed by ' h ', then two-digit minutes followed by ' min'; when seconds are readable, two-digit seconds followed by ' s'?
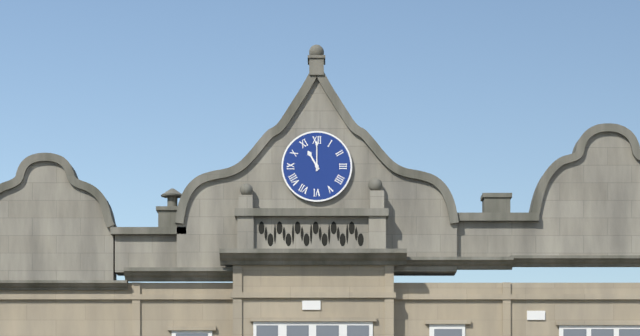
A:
11 h 00 min
